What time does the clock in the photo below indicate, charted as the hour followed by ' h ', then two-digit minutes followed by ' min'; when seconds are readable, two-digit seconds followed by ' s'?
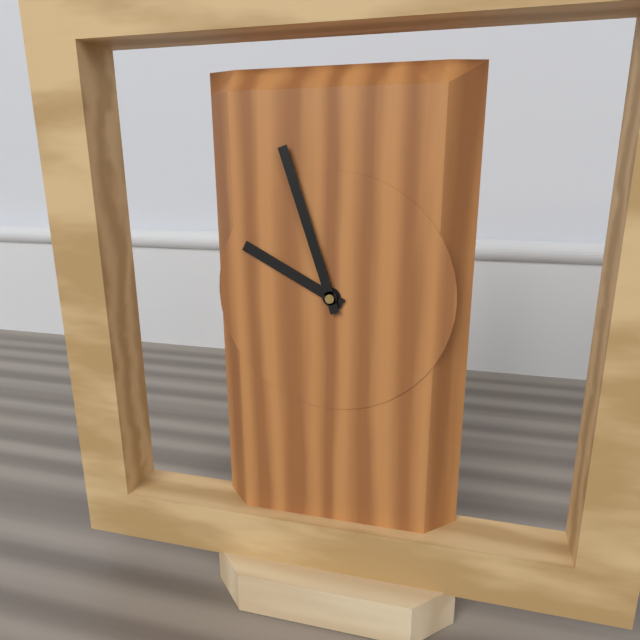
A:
9 h 57 min
